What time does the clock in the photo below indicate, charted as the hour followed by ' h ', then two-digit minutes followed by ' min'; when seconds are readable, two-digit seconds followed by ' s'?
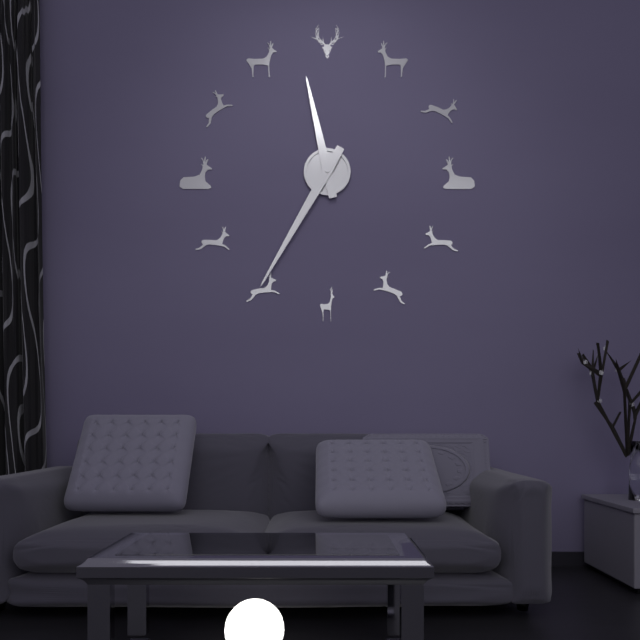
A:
11 h 35 min
